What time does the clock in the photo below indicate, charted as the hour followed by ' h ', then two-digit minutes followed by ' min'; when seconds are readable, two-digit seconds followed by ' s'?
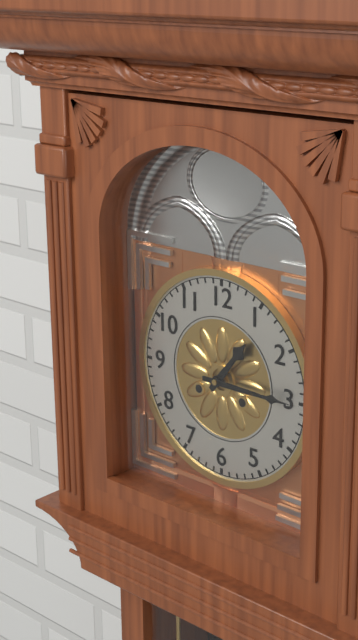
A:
1 h 15 min
